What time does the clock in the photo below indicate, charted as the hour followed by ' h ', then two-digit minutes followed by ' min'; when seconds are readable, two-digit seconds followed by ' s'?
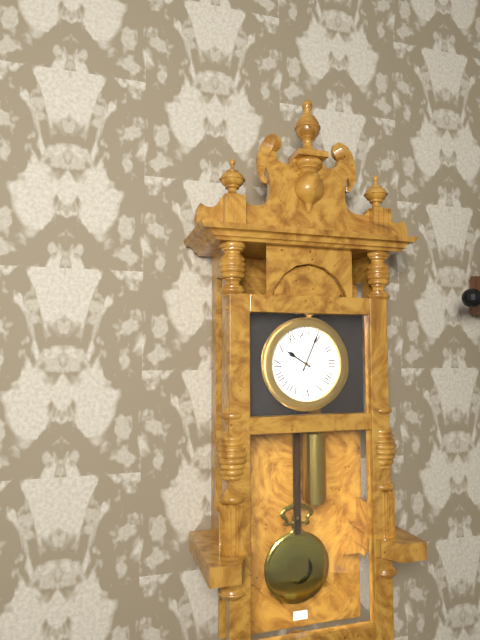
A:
10 h 04 min
